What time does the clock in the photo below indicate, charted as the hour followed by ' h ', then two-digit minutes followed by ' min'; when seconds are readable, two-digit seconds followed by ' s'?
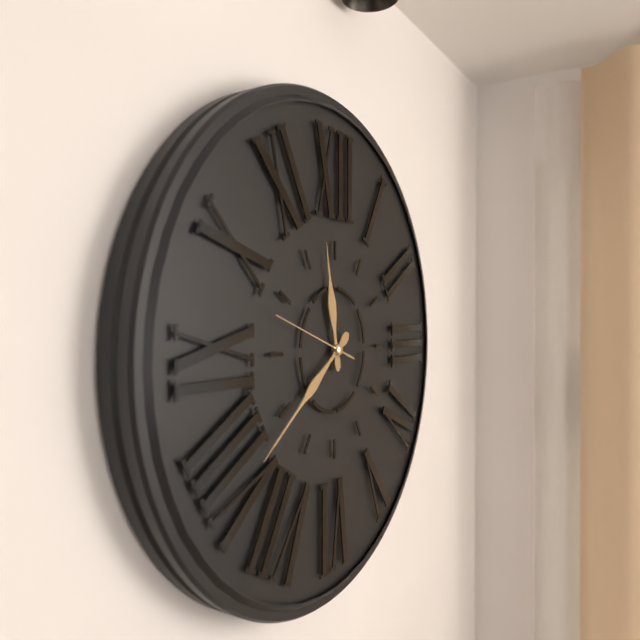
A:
11 h 39 min 48 s
